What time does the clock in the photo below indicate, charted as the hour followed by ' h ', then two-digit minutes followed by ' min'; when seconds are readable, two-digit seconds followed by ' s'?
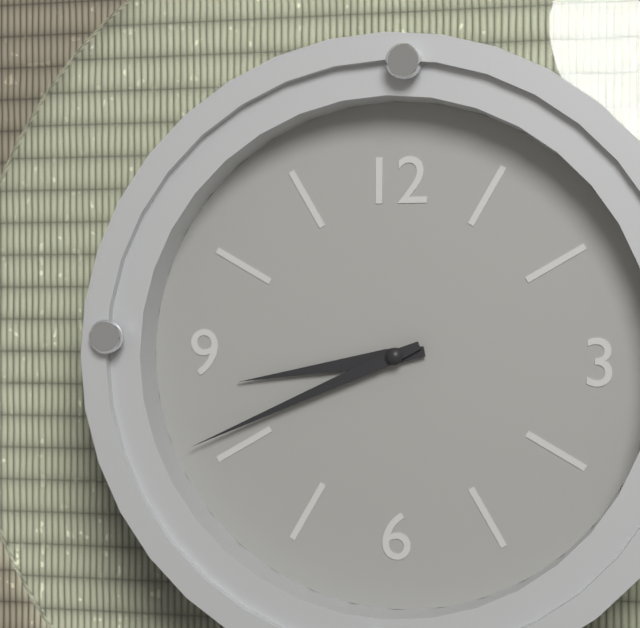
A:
8 h 41 min
